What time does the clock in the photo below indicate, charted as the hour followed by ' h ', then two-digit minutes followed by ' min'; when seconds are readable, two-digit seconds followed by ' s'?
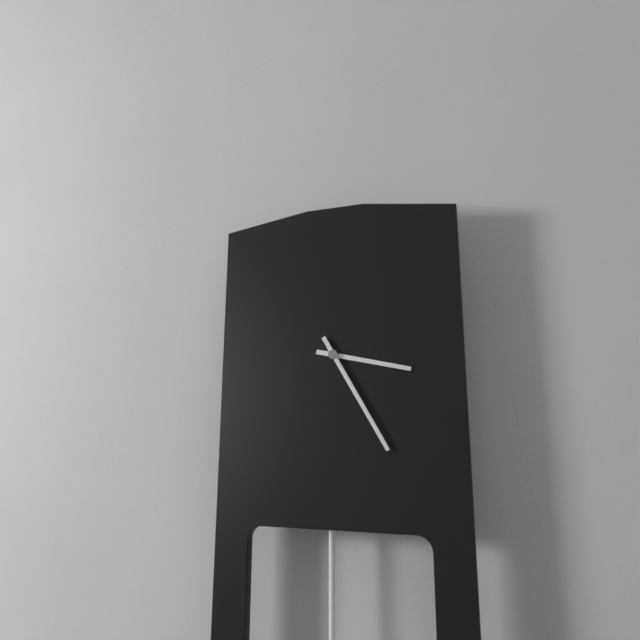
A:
3 h 25 min
